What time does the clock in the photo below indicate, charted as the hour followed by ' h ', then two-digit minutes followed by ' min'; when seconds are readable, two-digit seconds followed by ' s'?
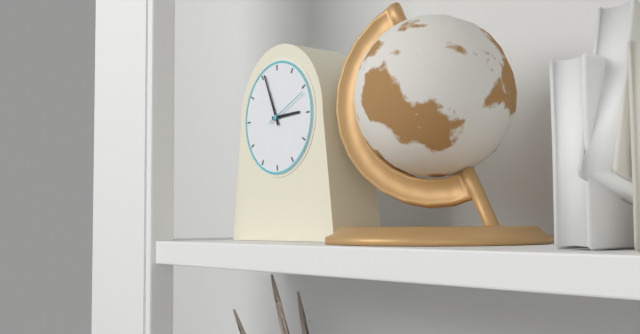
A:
2 h 56 min
